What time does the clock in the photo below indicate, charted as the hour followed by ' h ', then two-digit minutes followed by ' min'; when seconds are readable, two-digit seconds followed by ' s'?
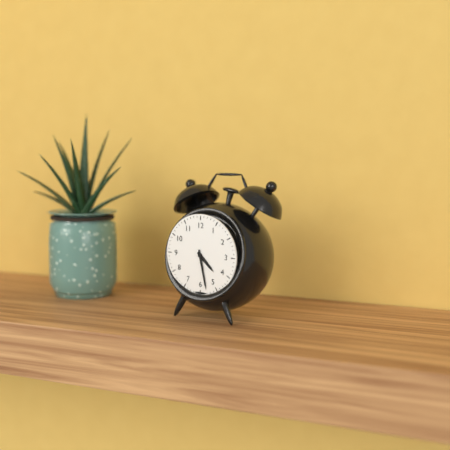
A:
4 h 28 min
